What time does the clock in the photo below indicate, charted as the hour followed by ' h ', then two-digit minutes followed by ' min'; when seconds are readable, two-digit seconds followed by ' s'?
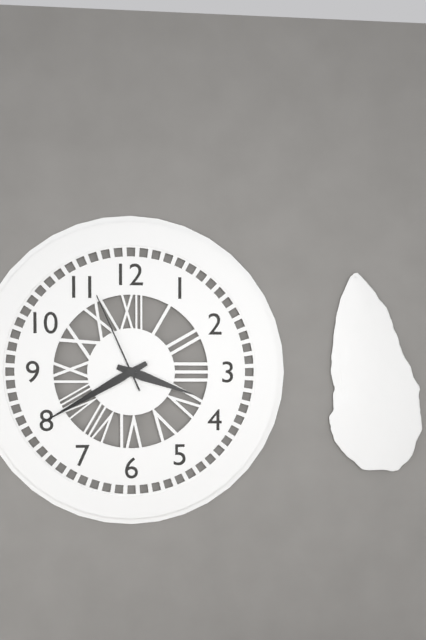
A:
3 h 40 min 56 s
